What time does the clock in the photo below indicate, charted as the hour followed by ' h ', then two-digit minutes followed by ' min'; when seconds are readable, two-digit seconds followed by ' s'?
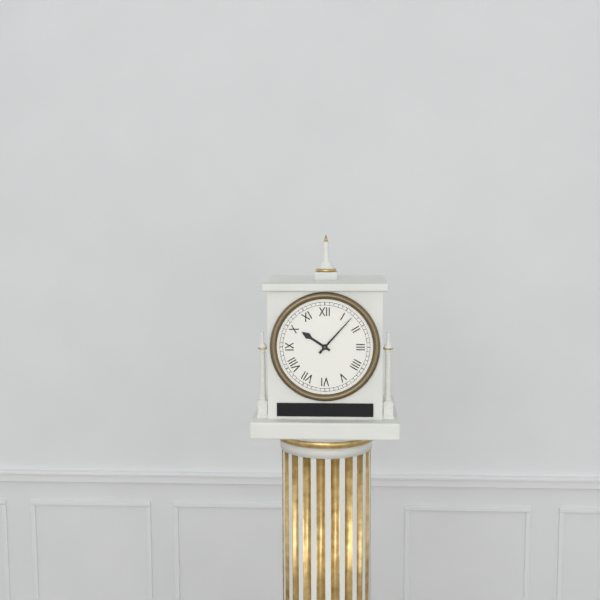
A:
10 h 07 min
